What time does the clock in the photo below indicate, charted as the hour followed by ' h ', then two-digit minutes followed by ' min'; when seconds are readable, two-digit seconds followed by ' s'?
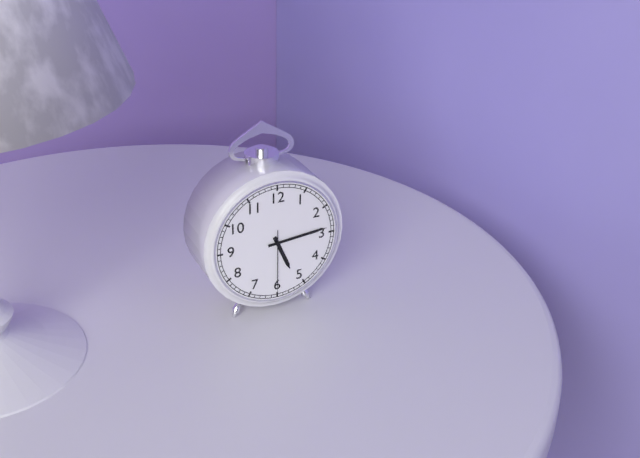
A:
5 h 14 min 30 s
